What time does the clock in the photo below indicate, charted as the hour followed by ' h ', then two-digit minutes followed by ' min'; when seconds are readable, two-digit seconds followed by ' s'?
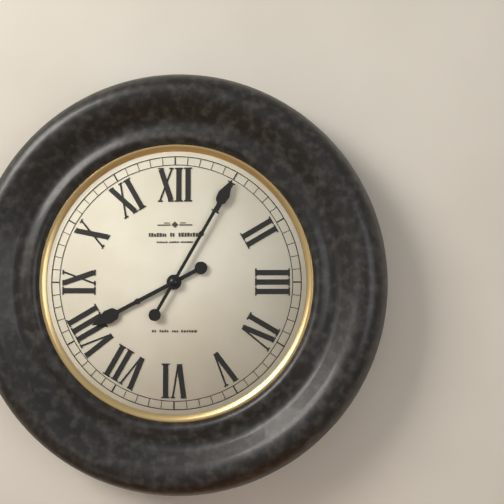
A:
8 h 05 min
